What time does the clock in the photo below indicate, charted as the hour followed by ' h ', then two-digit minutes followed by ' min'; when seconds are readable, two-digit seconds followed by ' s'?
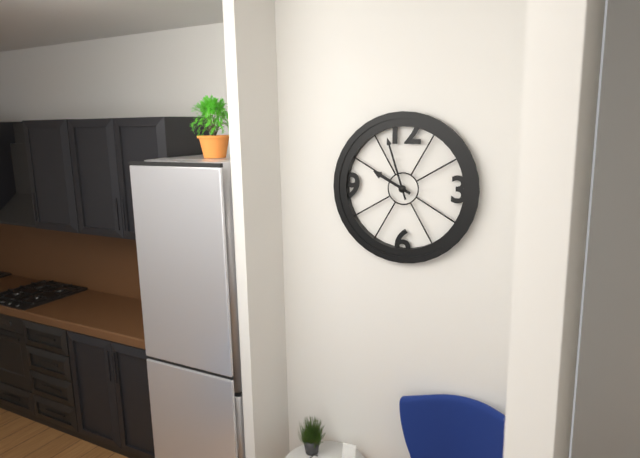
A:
9 h 57 min
